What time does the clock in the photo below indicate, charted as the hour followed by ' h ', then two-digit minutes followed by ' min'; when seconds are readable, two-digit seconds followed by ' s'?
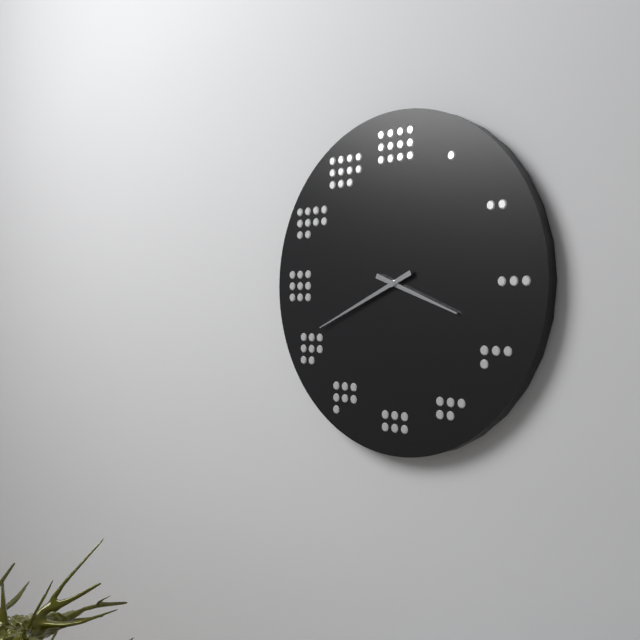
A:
3 h 41 min
